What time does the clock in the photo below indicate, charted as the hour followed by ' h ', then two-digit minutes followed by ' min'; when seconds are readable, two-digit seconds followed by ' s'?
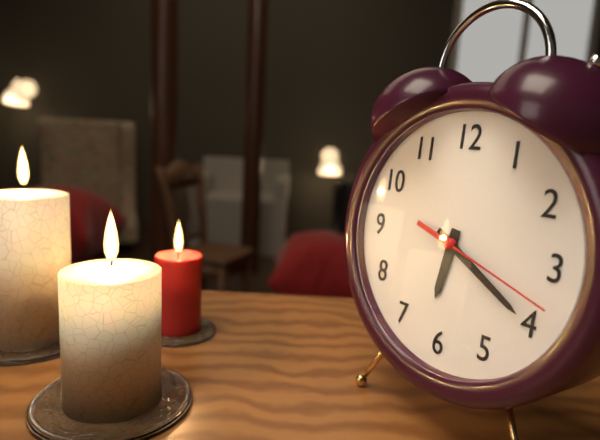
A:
6 h 20 min 18 s
